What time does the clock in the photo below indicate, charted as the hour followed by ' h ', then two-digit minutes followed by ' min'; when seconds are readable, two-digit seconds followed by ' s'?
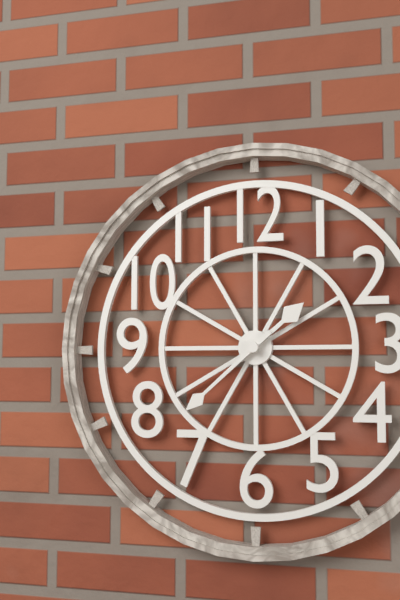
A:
1 h 38 min
